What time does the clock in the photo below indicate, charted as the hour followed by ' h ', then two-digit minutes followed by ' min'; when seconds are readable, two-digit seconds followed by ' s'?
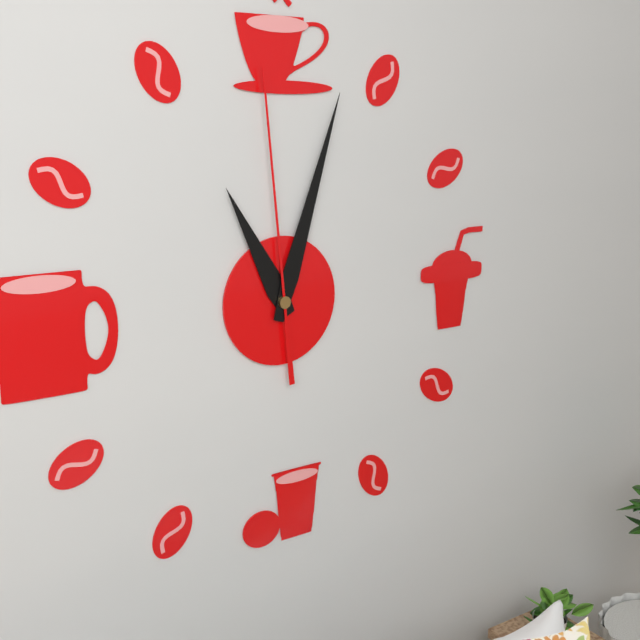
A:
11 h 03 min 59 s
